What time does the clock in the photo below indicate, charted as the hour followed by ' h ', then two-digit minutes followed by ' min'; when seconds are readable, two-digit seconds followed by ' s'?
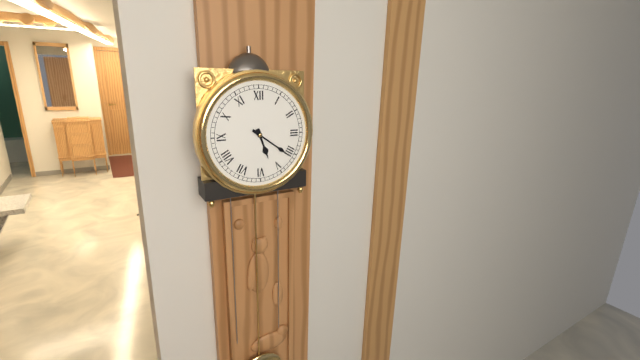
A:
5 h 21 min
